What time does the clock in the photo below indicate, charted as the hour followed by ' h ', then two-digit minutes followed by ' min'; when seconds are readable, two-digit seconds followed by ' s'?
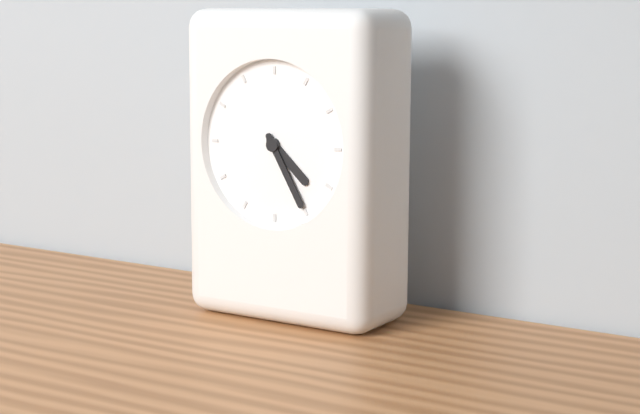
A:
4 h 25 min
